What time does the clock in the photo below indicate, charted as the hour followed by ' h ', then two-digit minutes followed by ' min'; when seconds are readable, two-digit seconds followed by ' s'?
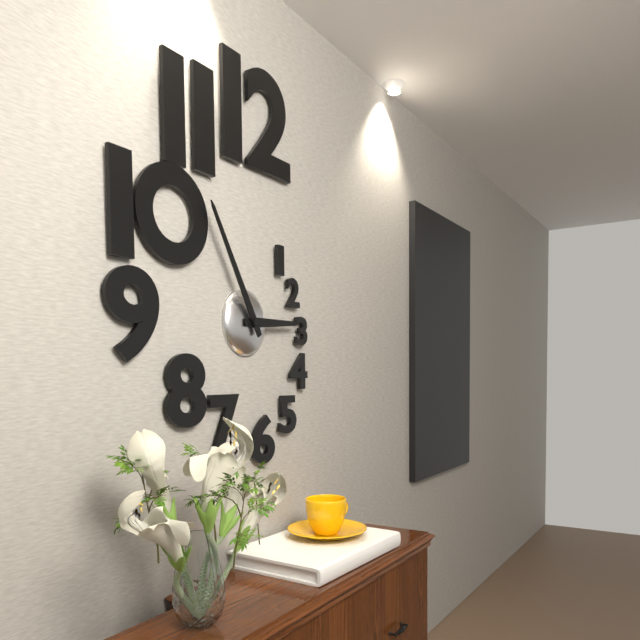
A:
2 h 55 min
